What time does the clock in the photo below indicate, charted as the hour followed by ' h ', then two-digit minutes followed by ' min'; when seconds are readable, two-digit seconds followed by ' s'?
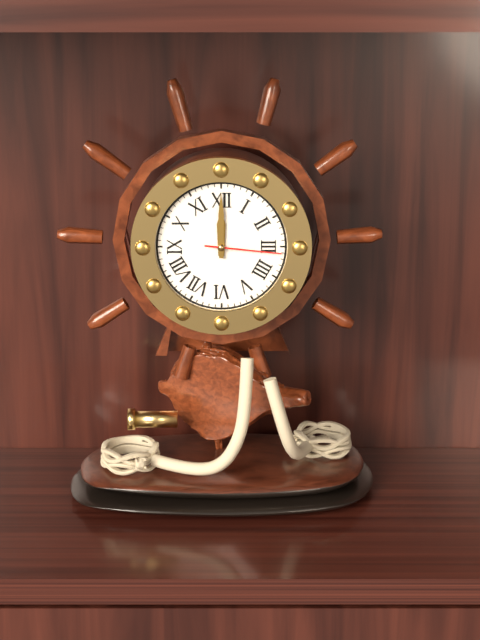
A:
12 h 00 min 16 s
